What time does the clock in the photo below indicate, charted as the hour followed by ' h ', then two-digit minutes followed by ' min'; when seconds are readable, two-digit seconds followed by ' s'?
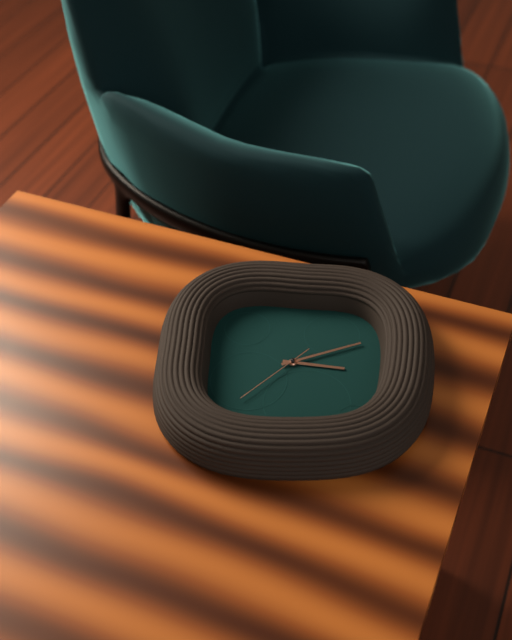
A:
3 h 11 min 37 s
